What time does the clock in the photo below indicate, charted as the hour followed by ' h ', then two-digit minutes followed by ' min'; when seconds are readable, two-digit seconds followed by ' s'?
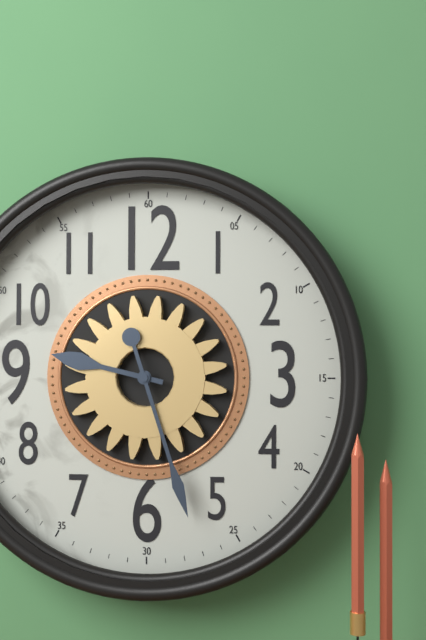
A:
9 h 27 min
